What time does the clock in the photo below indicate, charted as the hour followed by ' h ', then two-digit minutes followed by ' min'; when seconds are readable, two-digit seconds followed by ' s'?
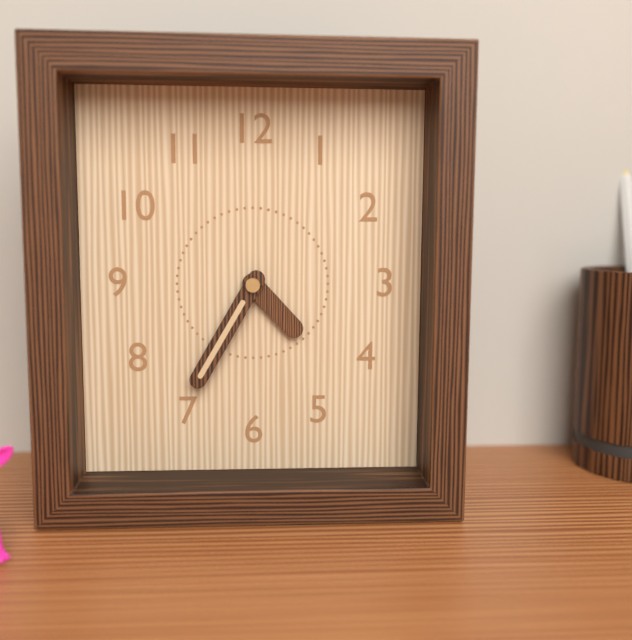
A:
4 h 35 min
